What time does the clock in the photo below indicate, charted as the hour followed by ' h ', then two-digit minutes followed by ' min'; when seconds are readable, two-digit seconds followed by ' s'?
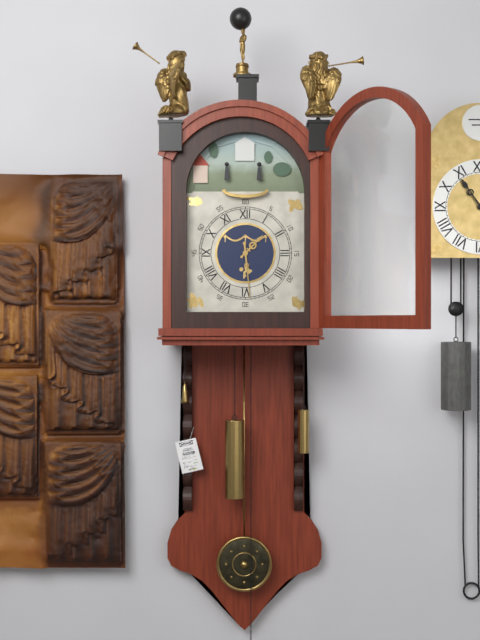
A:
1 h 29 min
